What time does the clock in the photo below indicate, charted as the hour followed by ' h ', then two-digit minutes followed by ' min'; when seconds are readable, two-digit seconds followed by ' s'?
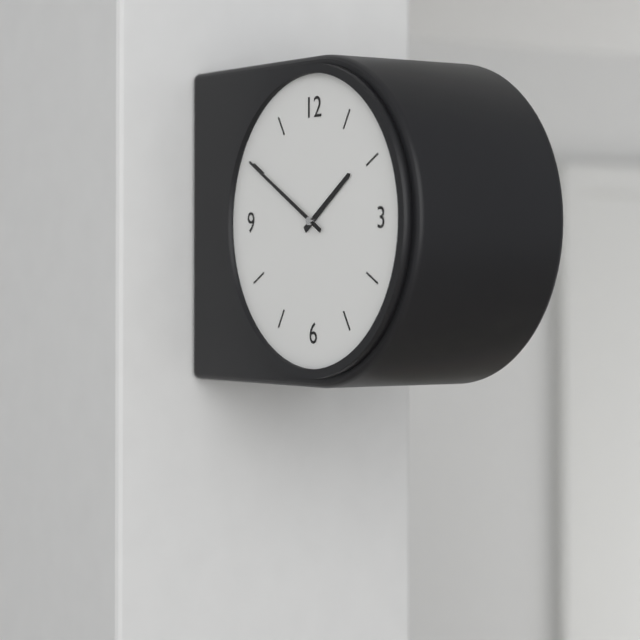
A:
1 h 50 min
